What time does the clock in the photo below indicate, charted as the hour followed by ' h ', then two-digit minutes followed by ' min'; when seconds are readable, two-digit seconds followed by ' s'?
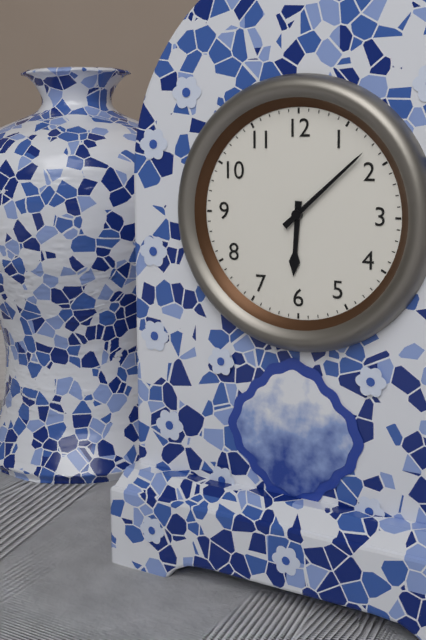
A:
6 h 08 min
